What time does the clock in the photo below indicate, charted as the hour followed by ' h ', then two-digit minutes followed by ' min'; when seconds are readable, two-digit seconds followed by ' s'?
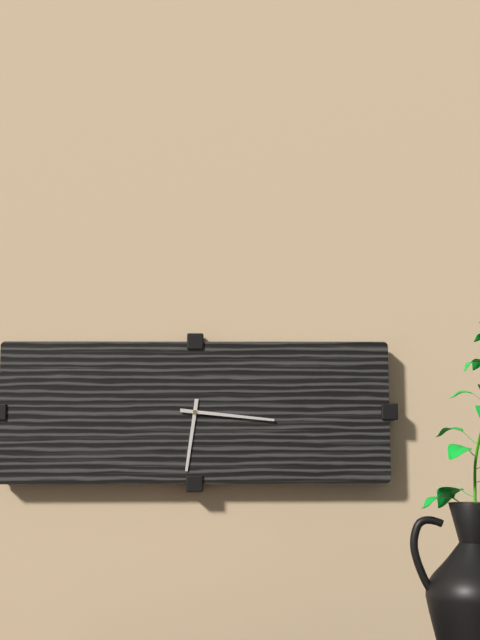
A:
6 h 16 min
